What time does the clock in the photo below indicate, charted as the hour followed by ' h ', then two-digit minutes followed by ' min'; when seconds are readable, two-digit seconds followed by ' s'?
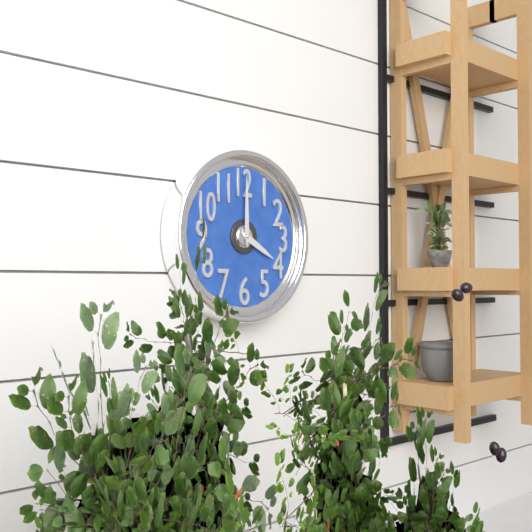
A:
4 h 00 min
